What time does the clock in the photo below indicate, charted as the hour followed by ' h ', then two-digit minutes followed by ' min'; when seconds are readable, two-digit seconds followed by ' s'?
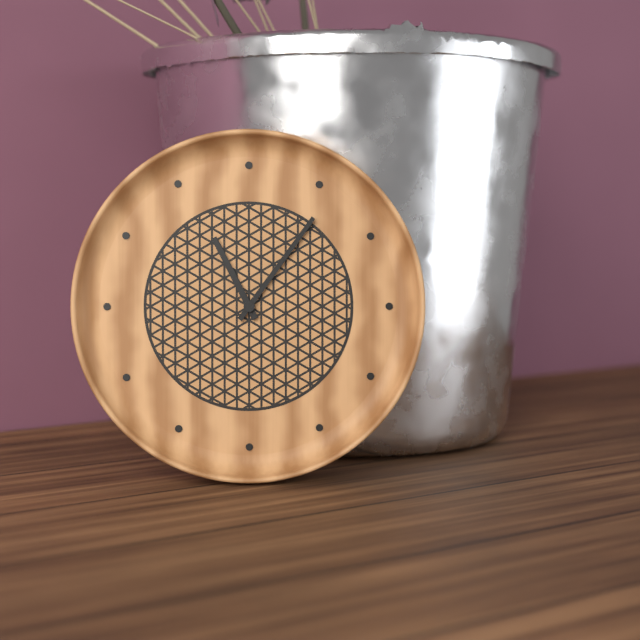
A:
11 h 06 min
